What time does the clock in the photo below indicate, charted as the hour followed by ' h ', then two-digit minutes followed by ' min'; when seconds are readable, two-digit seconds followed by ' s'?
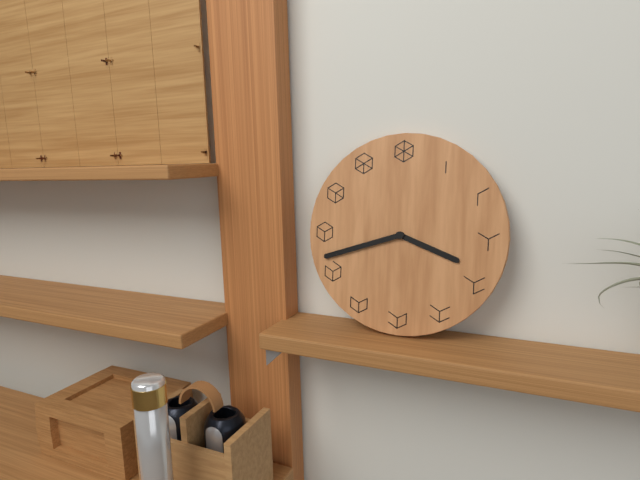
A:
3 h 42 min
